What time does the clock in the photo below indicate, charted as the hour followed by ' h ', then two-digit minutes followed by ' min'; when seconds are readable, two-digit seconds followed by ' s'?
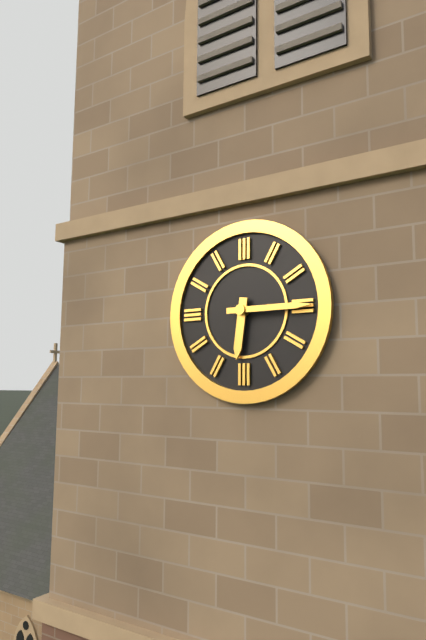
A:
6 h 15 min
